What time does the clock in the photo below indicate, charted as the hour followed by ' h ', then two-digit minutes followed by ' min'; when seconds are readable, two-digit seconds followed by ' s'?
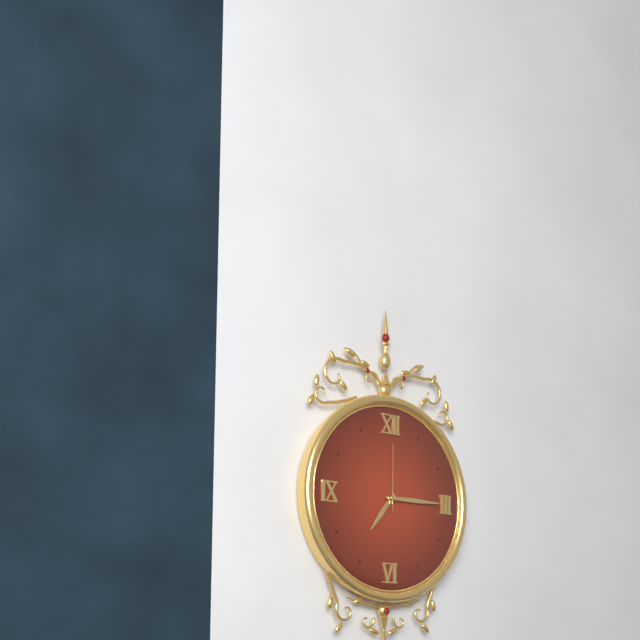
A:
7 h 15 min 00 s
